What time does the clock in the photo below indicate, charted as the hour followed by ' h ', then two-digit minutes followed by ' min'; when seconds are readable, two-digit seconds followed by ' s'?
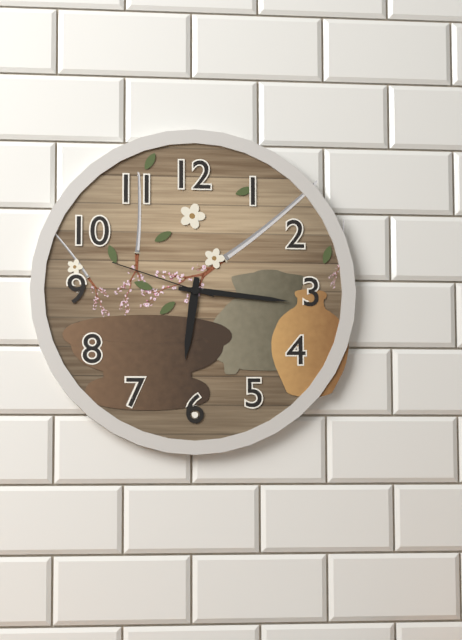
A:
6 h 16 min 48 s
